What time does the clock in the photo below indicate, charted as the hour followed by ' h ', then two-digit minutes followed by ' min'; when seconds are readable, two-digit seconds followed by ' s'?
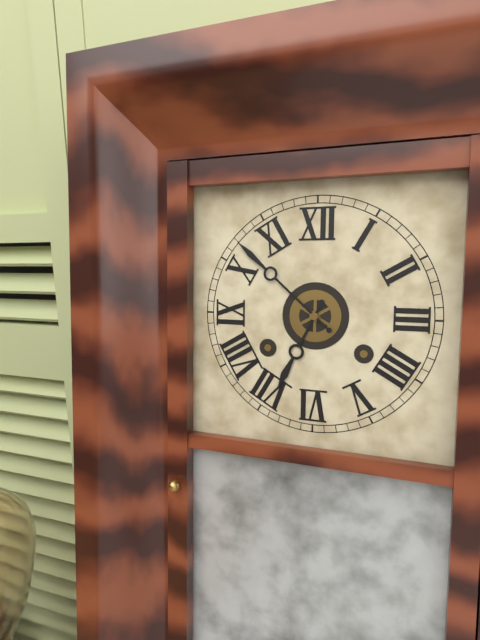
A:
6 h 52 min
